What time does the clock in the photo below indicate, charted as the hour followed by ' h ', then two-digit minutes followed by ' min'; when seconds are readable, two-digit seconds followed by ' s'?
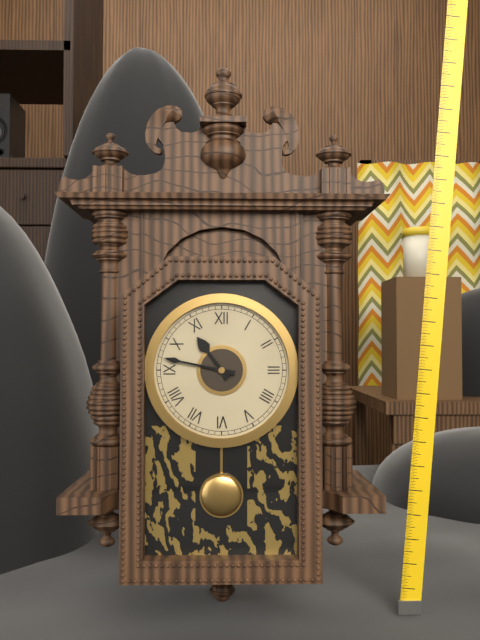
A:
10 h 47 min
